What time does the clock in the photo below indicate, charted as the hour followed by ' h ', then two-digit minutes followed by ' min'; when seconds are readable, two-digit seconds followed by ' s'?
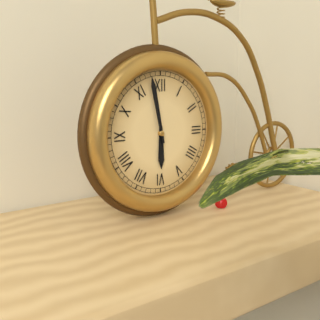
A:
5 h 58 min
